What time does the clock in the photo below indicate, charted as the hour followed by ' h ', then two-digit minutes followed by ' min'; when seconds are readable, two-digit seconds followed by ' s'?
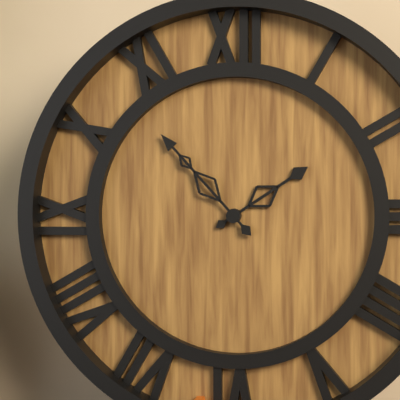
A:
1 h 53 min
